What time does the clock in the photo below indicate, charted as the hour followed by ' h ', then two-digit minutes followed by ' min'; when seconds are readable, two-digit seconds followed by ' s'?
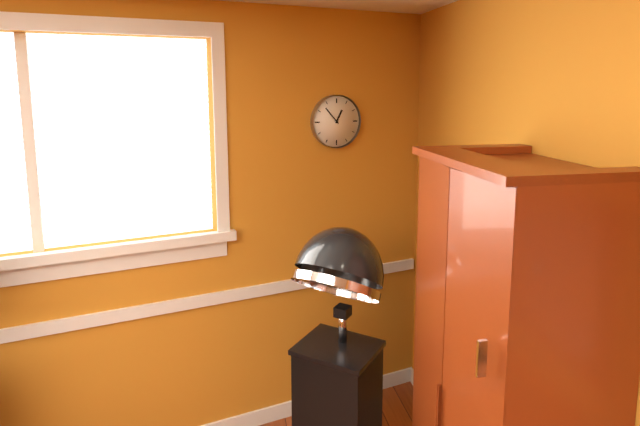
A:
12 h 53 min
